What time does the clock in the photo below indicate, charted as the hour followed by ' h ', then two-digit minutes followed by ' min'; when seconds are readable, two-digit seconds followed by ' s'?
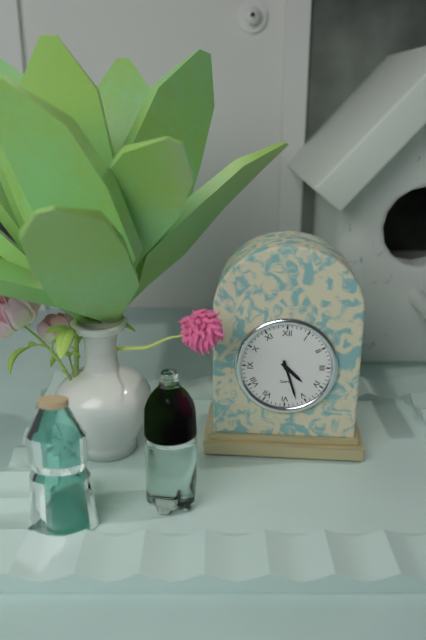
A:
4 h 27 min
